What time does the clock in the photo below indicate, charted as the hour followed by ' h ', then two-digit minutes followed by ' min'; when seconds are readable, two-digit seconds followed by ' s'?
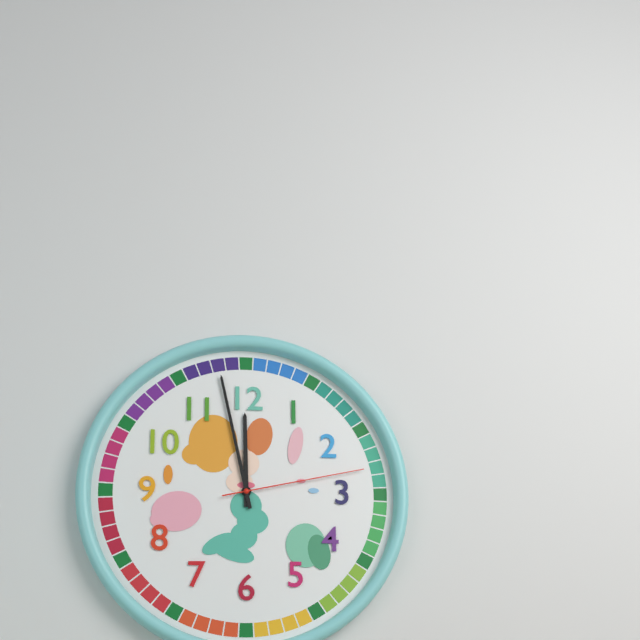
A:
11 h 58 min 13 s
